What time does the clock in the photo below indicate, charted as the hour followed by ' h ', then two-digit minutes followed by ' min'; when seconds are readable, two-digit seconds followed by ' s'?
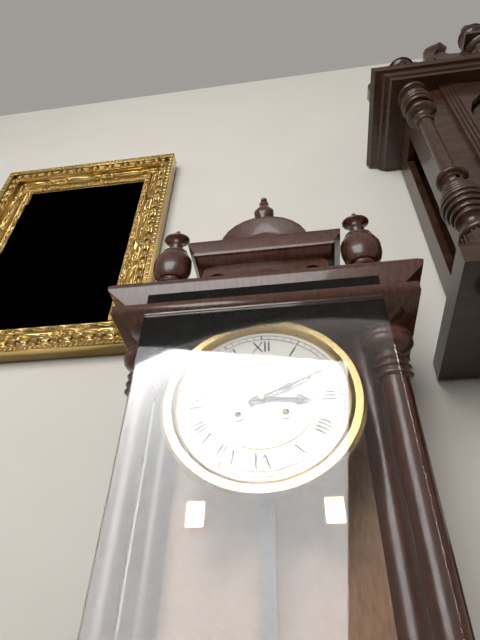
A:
3 h 11 min
